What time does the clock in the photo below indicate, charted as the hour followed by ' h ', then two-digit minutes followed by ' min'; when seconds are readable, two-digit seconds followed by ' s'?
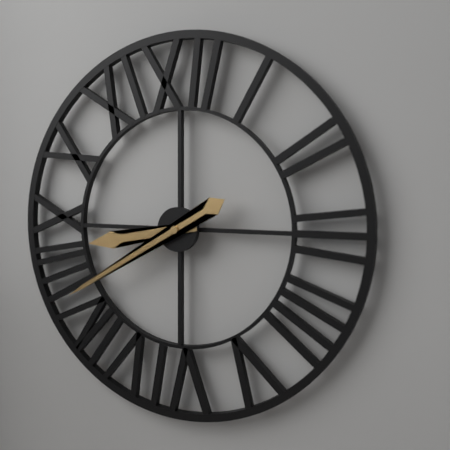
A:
8 h 40 min
